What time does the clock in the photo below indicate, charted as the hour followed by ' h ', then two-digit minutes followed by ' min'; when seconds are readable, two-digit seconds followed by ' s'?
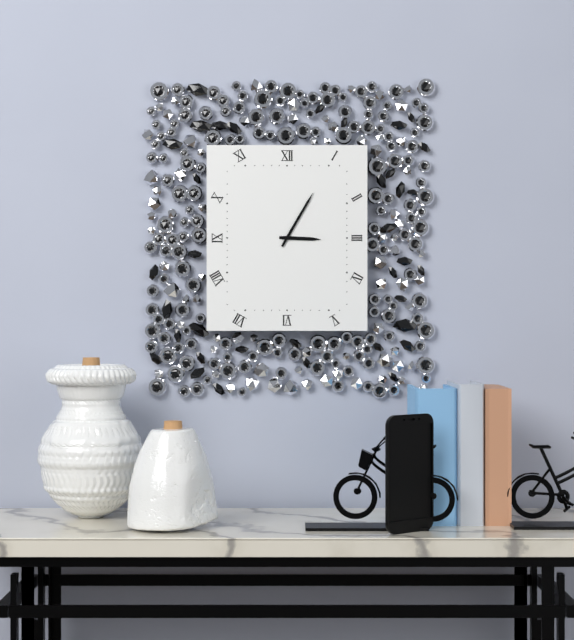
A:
3 h 05 min
